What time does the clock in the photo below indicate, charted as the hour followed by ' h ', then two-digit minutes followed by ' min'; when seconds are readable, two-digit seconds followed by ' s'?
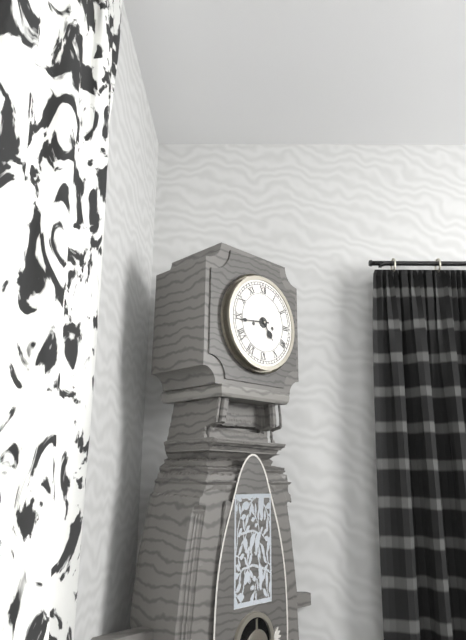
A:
4 h 44 min
